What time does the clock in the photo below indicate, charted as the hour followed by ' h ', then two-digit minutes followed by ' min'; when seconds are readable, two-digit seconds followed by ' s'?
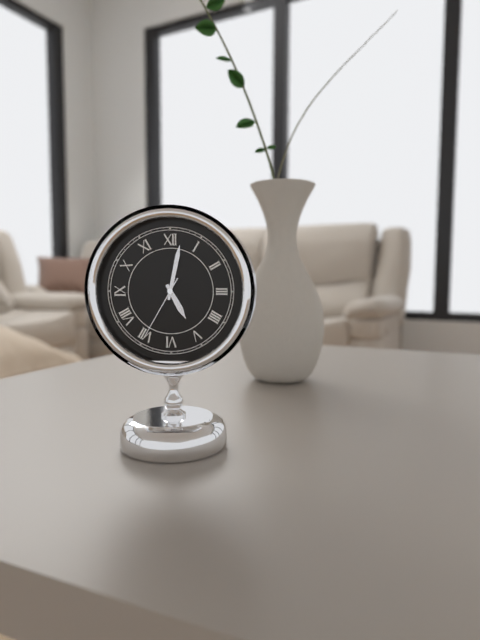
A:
5 h 02 min 35 s
